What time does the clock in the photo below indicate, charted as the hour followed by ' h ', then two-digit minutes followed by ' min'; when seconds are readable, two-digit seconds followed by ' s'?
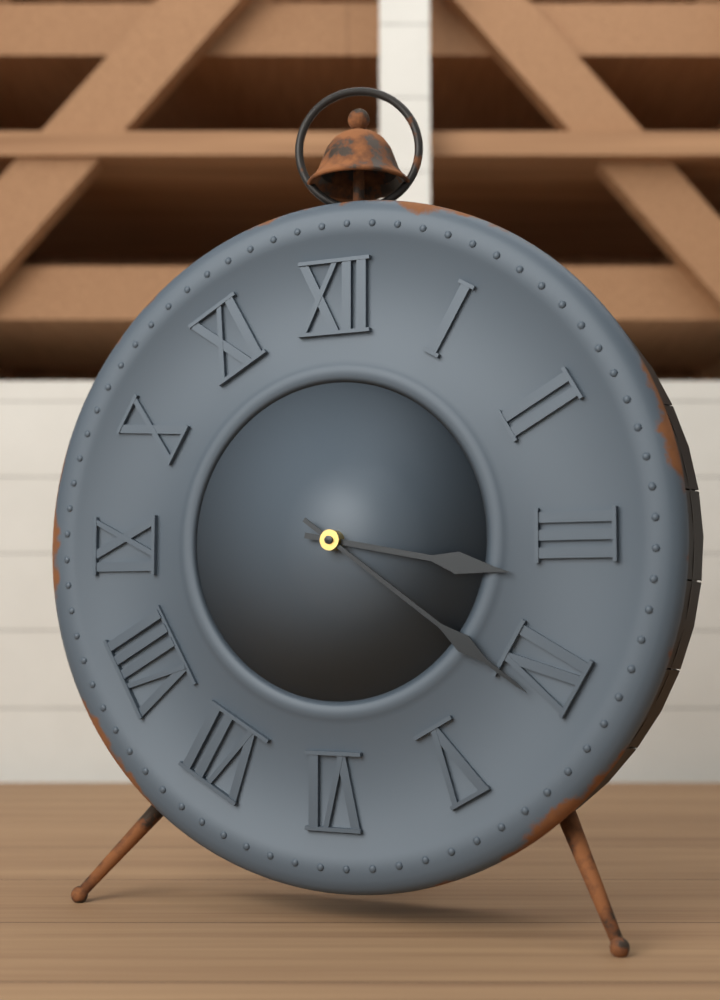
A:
3 h 21 min
